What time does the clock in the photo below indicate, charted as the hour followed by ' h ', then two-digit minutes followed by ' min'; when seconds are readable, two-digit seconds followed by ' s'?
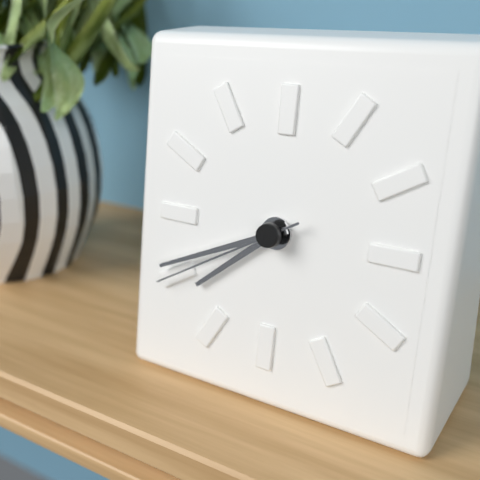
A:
7 h 41 min 40 s
